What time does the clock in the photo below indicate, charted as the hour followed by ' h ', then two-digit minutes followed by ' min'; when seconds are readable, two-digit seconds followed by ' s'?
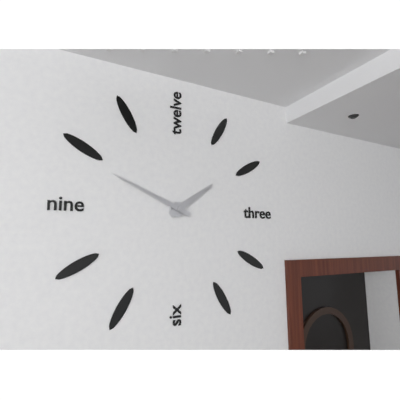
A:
1 h 49 min
